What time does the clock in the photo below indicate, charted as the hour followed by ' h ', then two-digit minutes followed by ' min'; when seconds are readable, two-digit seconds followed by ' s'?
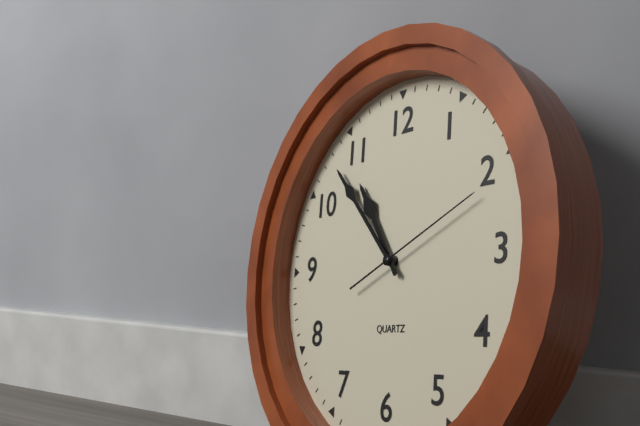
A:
10 h 53 min 11 s
